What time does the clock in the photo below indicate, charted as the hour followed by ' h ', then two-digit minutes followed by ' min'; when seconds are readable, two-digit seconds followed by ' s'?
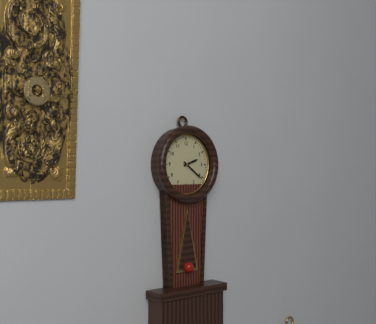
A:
2 h 21 min
